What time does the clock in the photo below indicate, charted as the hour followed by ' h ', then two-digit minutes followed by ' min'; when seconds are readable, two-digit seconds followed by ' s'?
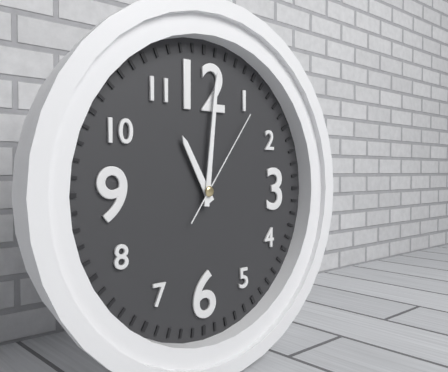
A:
11 h 01 min 06 s
